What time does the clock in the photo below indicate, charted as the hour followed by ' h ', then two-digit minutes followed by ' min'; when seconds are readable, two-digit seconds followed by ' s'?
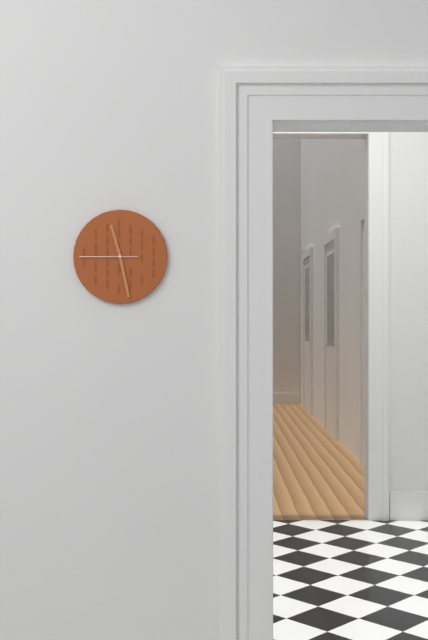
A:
11 h 28 min 45 s
